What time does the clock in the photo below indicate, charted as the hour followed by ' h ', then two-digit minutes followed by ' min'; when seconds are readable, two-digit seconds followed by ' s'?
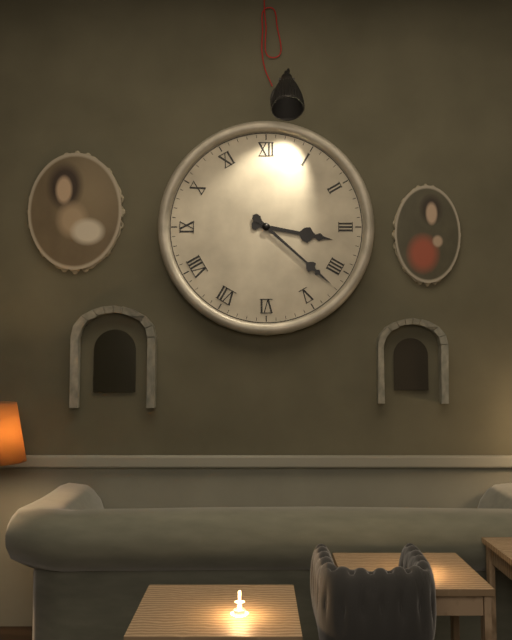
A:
3 h 22 min
